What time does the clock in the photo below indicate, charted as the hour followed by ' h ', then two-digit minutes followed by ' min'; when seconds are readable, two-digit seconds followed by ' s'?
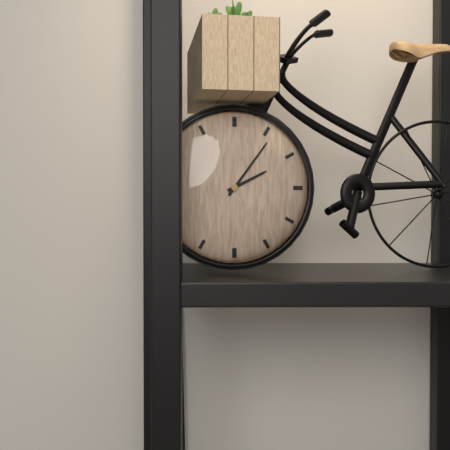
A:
2 h 06 min
